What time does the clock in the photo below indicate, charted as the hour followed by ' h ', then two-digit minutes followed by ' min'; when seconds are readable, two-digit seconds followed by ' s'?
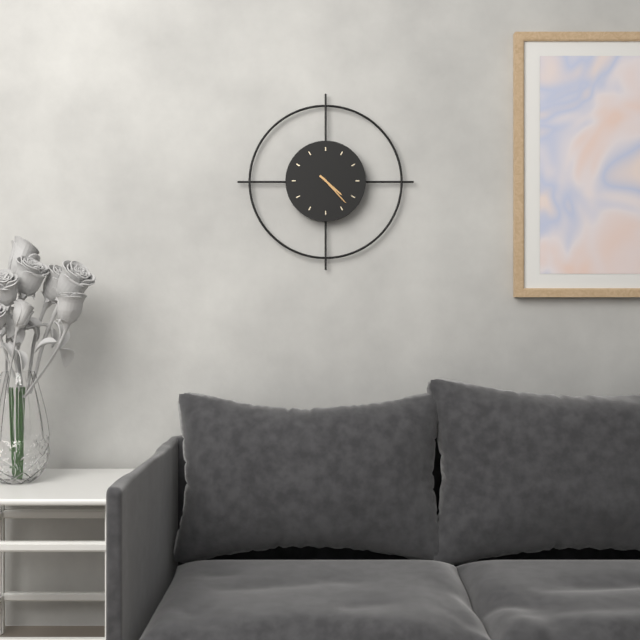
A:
4 h 23 min
